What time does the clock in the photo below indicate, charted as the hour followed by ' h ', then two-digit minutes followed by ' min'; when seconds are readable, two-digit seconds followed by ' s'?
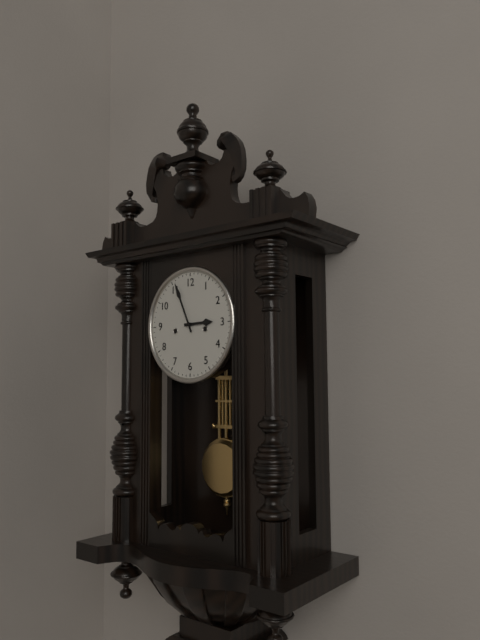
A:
2 h 56 min
